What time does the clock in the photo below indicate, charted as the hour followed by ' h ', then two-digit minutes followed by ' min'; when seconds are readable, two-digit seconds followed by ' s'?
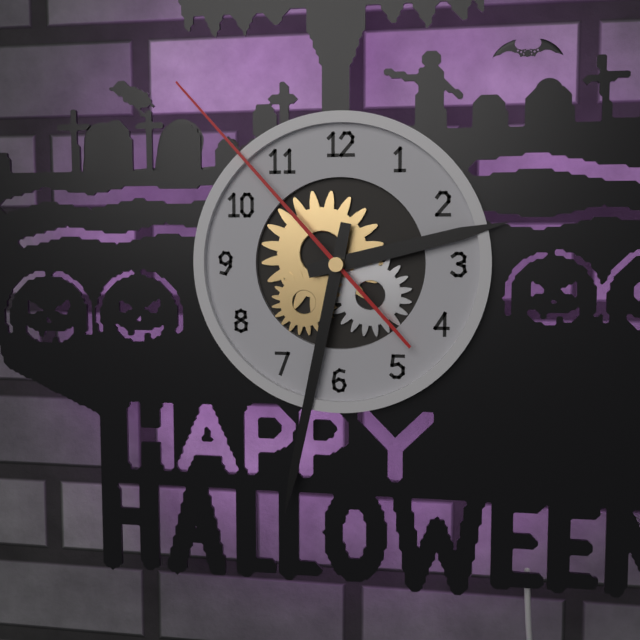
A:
2 h 32 min 53 s
